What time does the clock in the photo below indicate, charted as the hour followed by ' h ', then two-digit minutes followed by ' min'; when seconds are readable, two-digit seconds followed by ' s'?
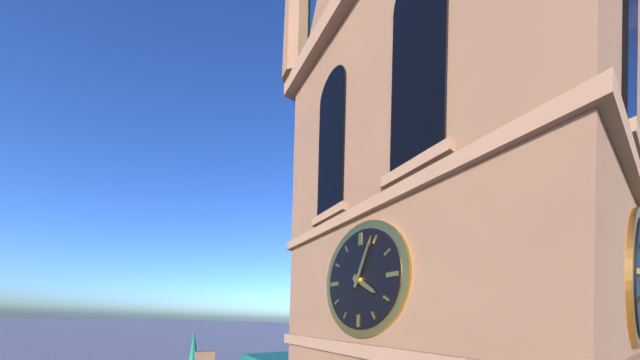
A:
4 h 04 min
